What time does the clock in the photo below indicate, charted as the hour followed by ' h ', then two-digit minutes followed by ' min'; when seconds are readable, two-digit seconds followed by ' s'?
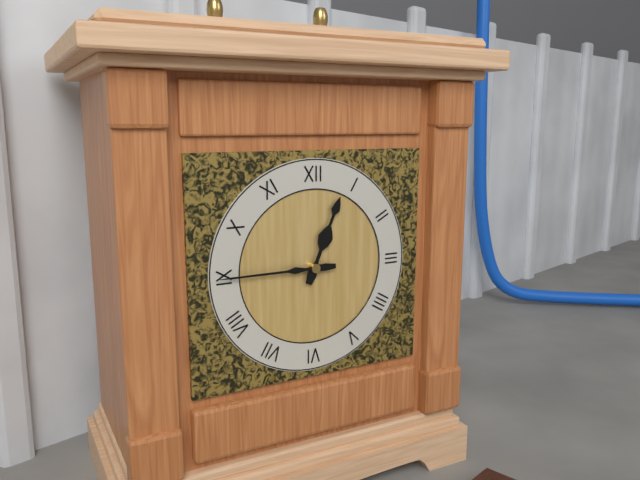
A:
12 h 45 min
